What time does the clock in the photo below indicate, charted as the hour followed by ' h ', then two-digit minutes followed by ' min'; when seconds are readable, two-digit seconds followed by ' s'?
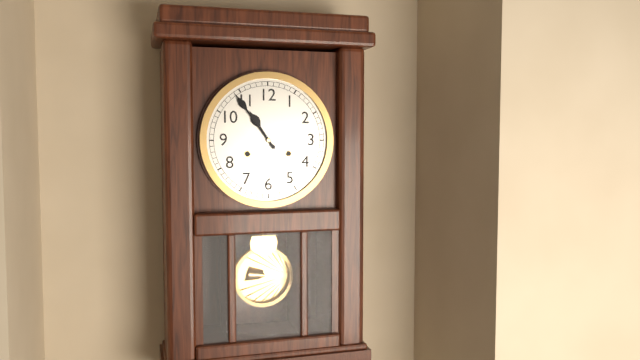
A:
10 h 54 min
